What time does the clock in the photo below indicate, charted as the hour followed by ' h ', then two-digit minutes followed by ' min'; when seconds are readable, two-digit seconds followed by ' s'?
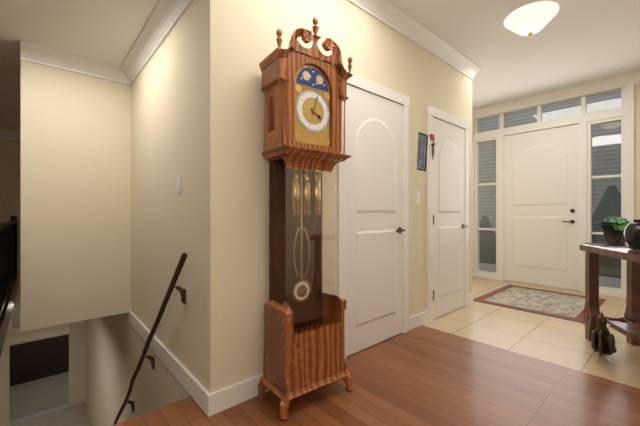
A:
4 h 03 min
